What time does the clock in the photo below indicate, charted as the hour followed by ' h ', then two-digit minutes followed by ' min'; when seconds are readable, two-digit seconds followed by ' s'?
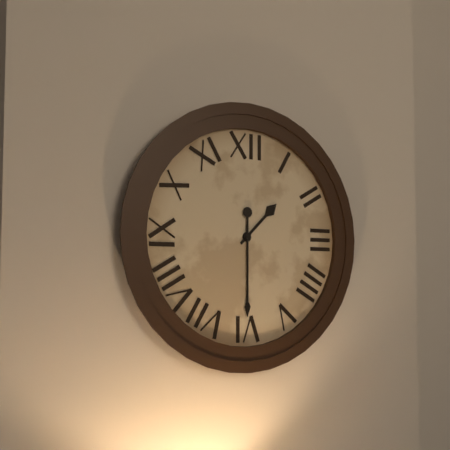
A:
1 h 30 min
